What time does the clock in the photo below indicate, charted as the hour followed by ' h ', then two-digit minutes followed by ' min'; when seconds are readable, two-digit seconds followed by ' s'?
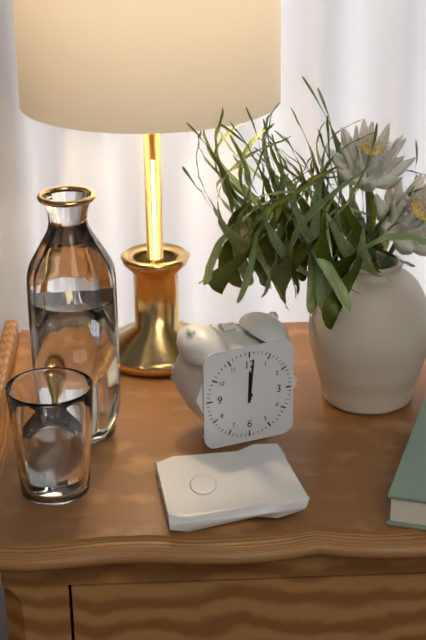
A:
12 h 01 min
